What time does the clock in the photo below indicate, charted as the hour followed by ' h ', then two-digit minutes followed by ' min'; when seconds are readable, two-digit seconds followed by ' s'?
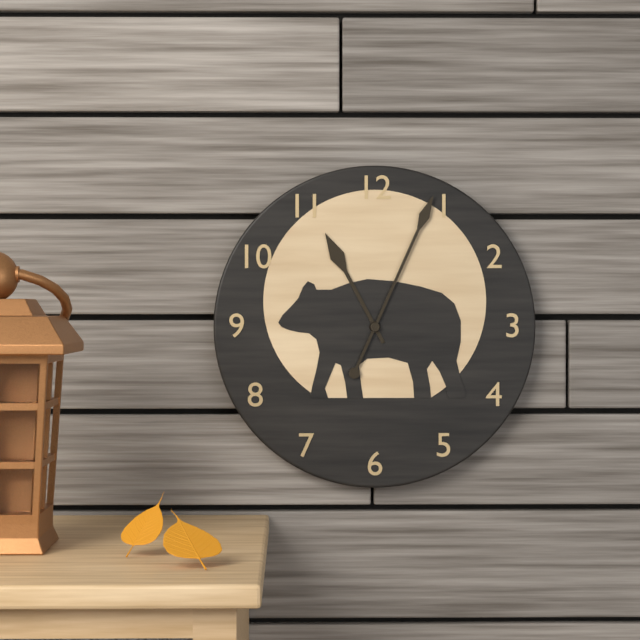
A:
11 h 04 min
